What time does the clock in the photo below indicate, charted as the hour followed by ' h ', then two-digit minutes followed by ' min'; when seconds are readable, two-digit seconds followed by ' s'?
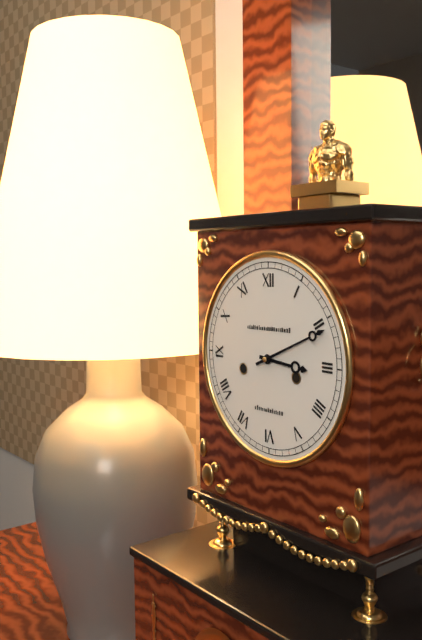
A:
3 h 11 min
